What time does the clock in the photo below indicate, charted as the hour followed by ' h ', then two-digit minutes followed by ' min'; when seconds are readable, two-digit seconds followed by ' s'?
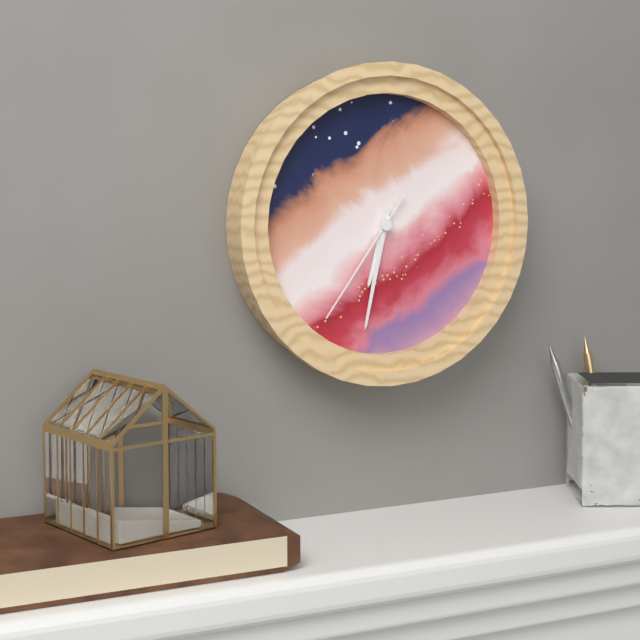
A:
6 h 32 min 36 s
